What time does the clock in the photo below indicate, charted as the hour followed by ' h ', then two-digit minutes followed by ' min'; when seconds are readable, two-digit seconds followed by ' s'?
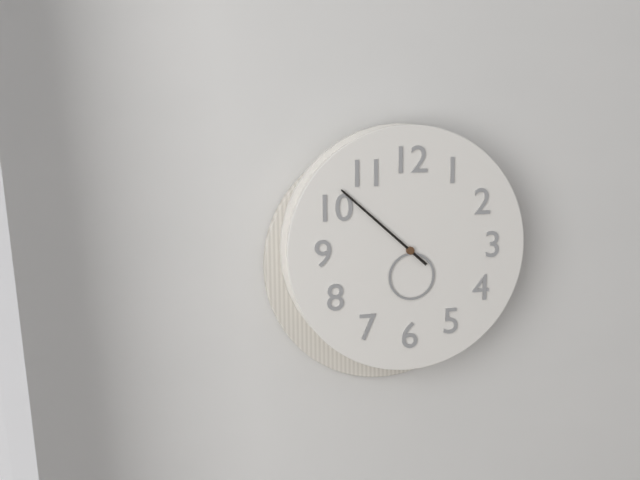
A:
5 h 52 min
